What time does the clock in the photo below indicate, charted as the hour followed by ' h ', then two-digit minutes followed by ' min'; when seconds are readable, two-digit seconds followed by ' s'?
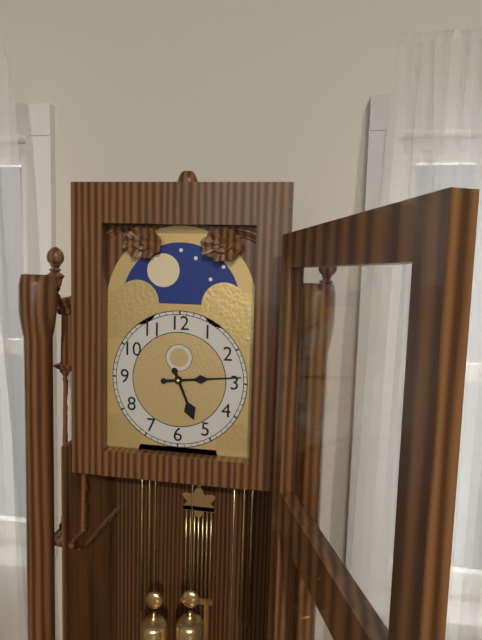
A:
5 h 14 min
